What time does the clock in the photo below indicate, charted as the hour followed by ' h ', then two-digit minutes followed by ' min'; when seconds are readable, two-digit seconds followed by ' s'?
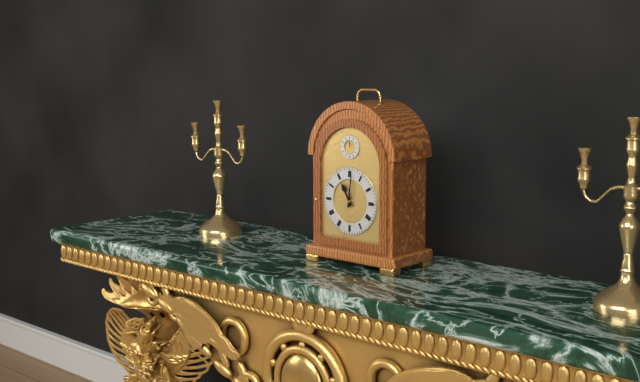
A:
11 h 01 min
